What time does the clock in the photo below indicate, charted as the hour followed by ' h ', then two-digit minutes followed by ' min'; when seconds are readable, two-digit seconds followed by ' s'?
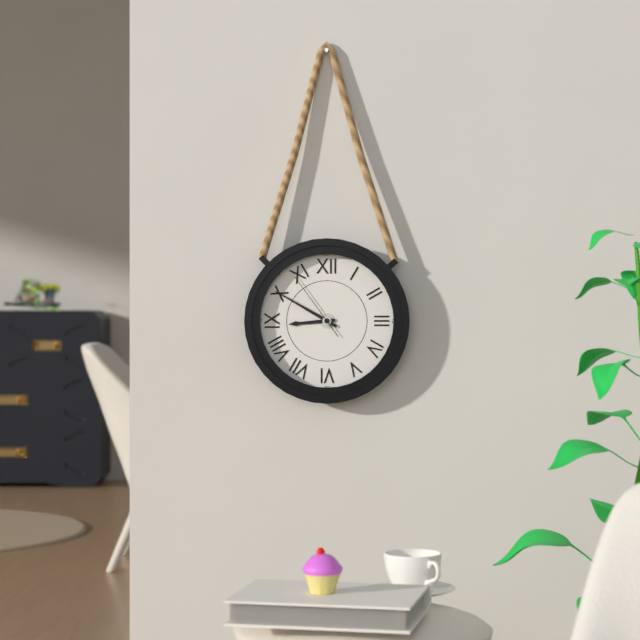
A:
8 h 50 min 54 s
